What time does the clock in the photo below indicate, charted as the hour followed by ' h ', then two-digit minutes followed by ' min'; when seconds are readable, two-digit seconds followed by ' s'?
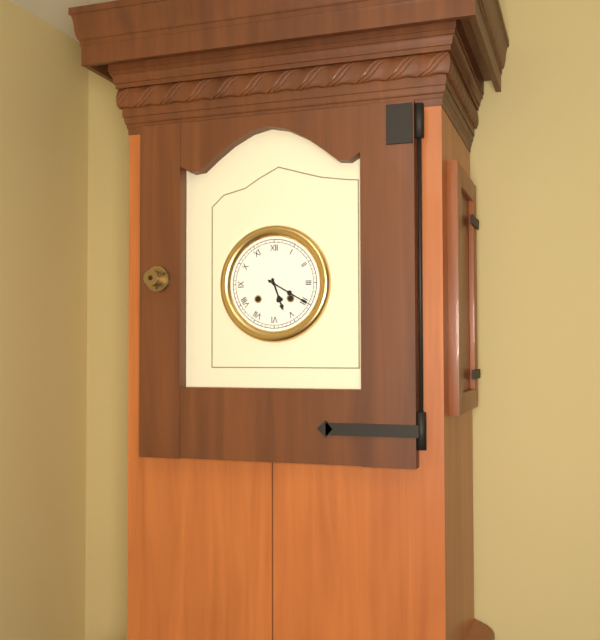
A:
5 h 20 min
